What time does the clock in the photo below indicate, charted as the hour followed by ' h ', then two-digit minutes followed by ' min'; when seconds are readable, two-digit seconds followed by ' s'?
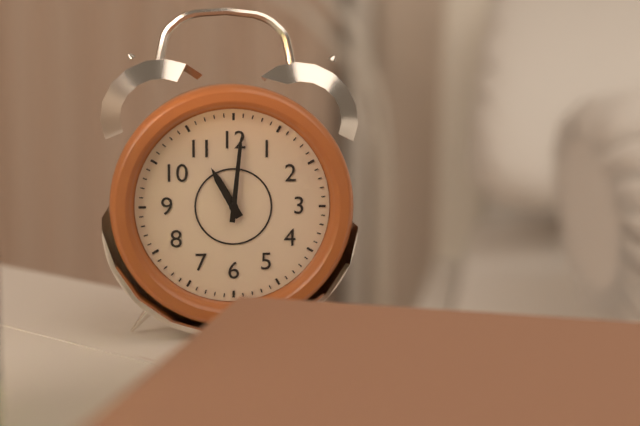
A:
11 h 01 min
